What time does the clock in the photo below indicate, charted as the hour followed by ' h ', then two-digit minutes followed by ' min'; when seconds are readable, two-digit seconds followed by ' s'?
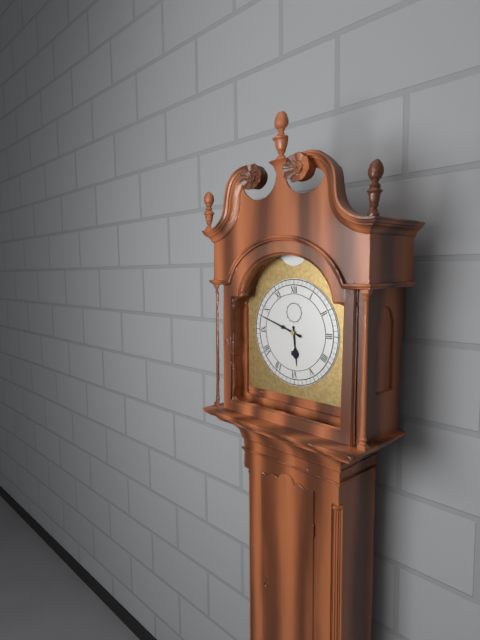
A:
5 h 48 min
